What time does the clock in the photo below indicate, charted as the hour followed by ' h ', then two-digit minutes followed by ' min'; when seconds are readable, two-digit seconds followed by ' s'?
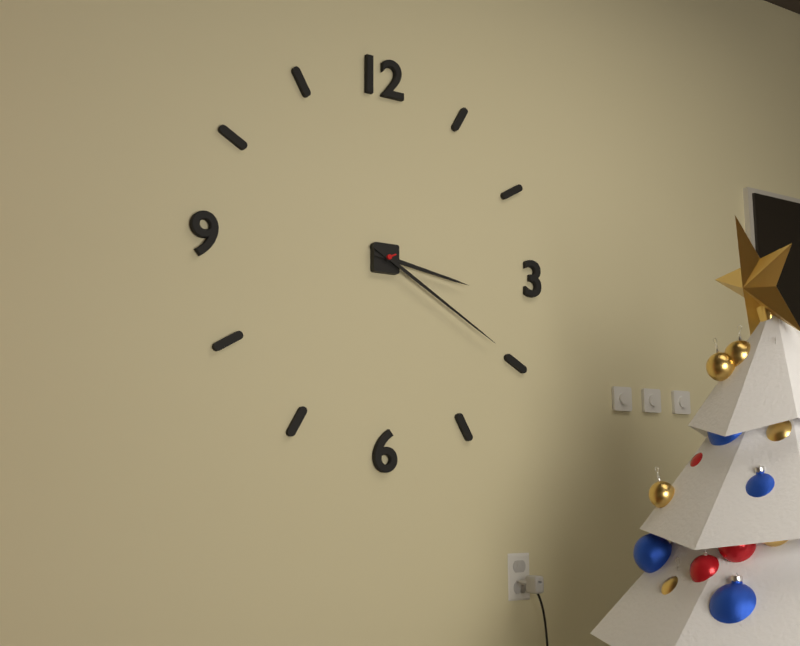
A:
3 h 20 min
